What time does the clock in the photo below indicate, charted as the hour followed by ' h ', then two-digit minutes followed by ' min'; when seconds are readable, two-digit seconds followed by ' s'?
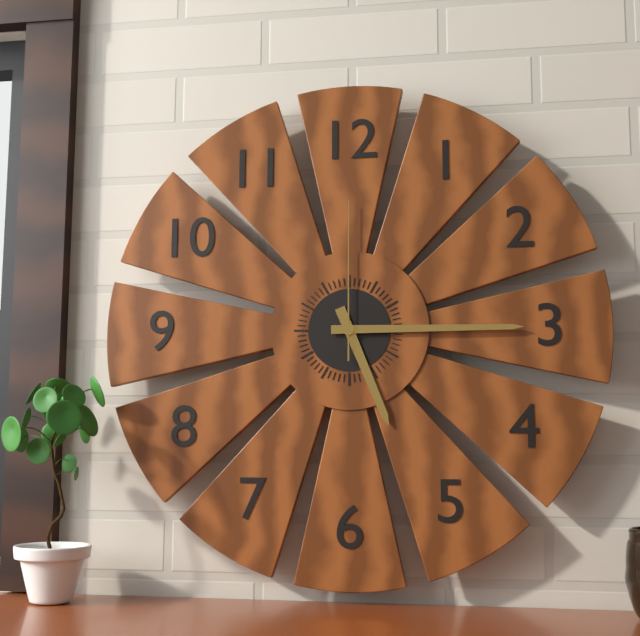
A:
5 h 15 min 00 s
